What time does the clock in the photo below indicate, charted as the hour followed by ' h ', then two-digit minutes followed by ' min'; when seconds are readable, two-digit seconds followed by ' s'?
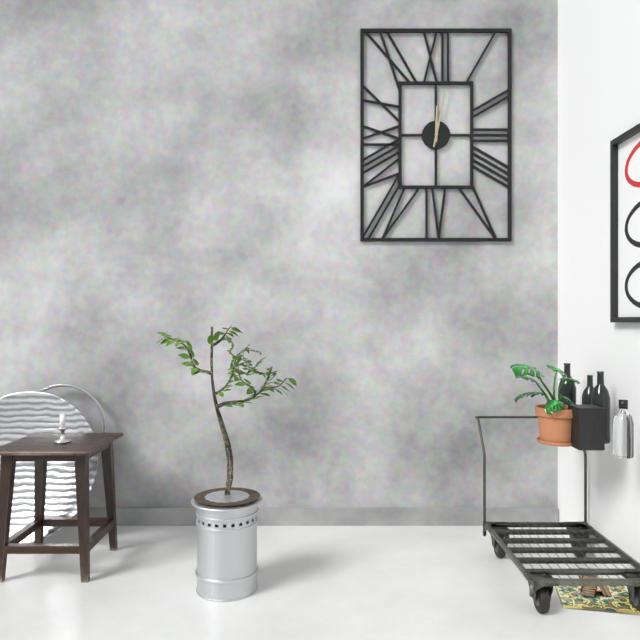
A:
12 h 02 min
